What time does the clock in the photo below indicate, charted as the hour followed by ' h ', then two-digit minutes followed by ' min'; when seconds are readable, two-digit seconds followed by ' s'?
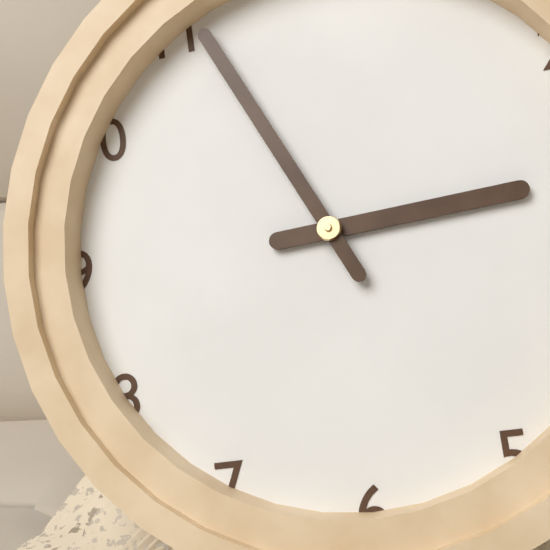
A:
2 h 56 min
